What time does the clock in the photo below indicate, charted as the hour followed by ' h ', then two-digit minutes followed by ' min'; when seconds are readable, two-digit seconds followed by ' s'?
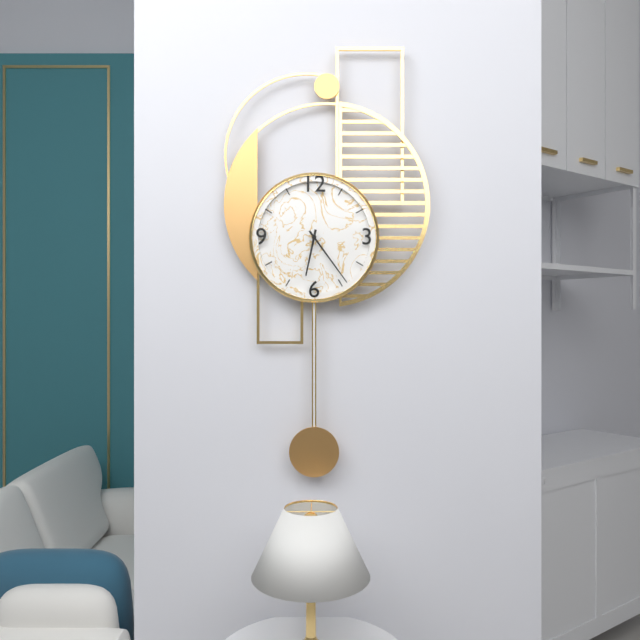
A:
6 h 24 min
